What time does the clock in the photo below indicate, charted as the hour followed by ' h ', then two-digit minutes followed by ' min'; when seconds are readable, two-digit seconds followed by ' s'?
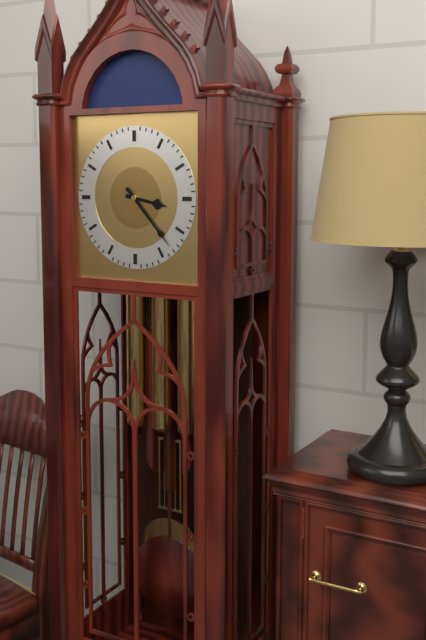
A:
3 h 23 min
